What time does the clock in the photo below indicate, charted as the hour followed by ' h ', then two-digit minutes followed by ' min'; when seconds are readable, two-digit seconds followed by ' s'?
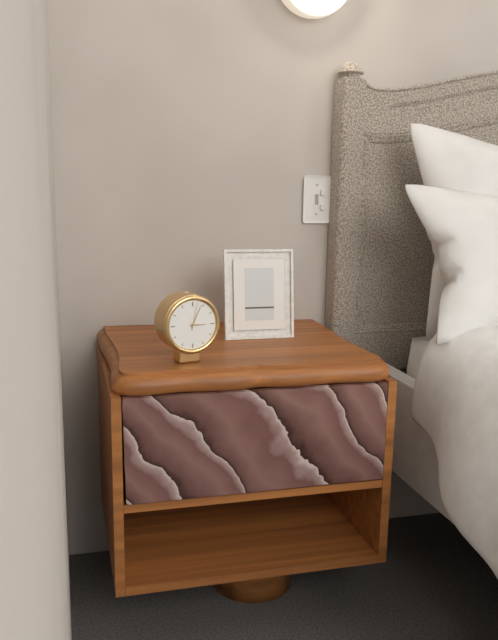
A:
3 h 04 min
